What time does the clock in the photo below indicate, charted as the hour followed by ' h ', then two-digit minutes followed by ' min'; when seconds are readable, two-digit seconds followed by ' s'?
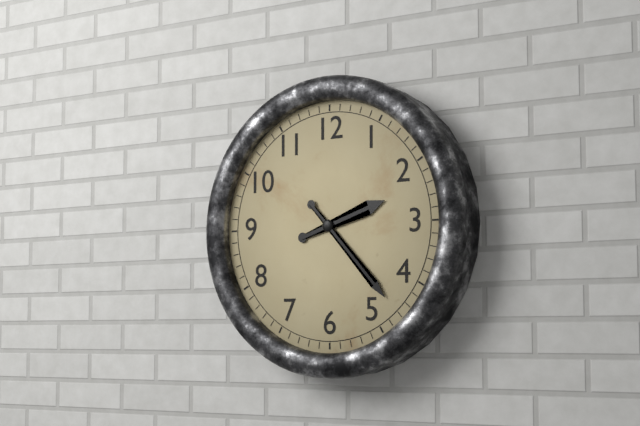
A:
2 h 23 min
